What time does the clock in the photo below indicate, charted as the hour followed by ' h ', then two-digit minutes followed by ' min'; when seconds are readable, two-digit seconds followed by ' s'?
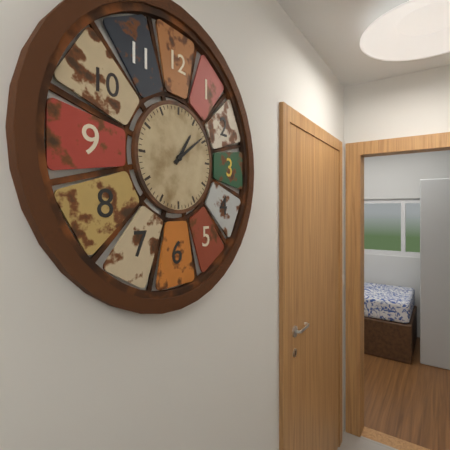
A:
1 h 09 min
